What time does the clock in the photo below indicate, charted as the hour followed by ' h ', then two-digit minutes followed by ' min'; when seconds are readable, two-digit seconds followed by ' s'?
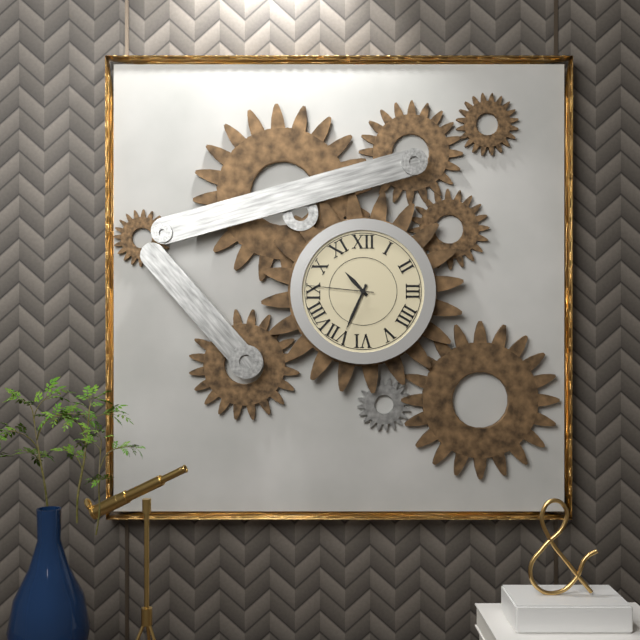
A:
10 h 34 min 46 s
